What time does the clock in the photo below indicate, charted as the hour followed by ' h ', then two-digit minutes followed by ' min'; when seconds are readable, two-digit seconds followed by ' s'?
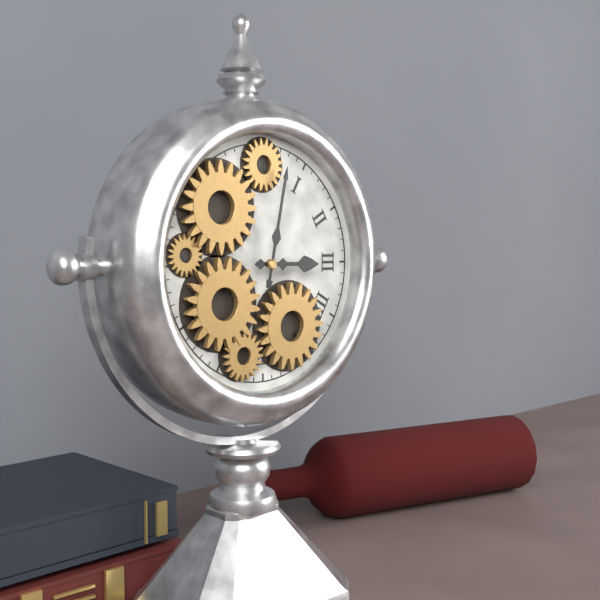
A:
3 h 02 min
